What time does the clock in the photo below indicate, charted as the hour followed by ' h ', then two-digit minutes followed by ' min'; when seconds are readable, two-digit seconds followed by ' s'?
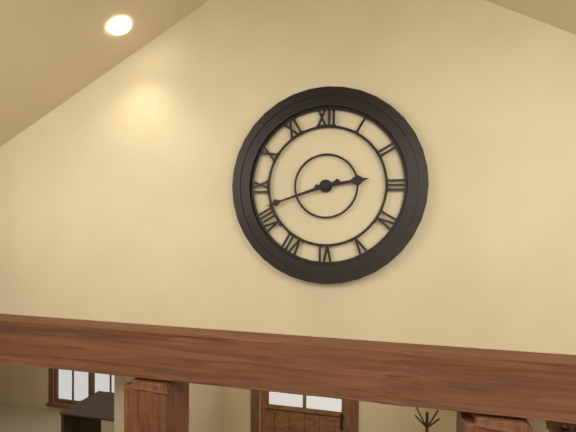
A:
2 h 42 min
